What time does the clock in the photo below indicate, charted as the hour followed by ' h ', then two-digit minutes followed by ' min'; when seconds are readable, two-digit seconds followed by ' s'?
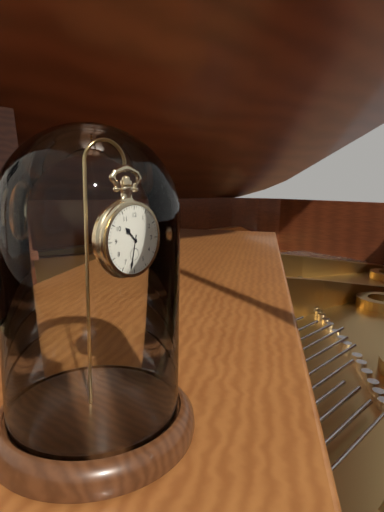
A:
10 h 32 min
